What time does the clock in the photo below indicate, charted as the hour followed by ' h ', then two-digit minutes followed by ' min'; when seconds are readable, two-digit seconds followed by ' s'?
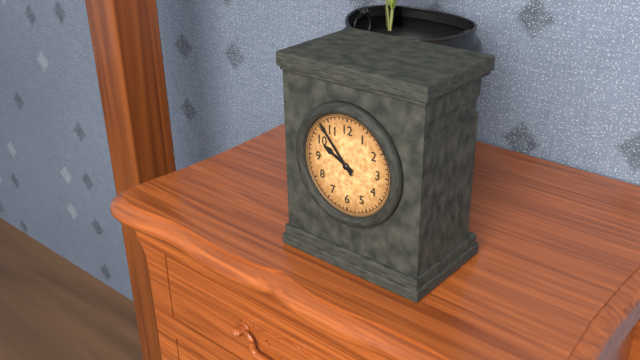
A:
9 h 53 min
